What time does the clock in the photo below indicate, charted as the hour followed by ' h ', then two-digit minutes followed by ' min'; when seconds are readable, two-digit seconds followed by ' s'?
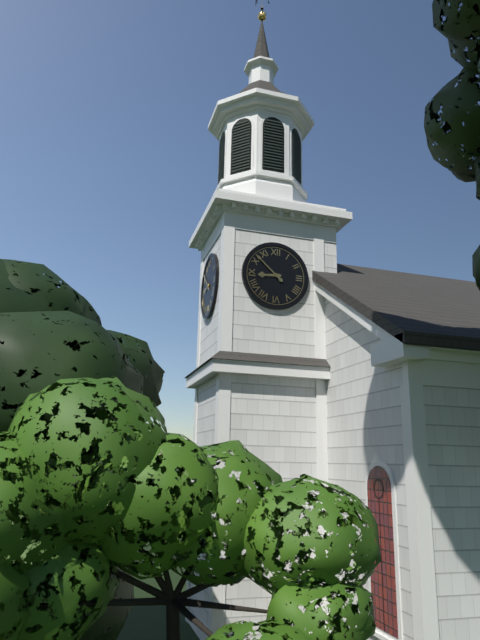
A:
8 h 52 min
